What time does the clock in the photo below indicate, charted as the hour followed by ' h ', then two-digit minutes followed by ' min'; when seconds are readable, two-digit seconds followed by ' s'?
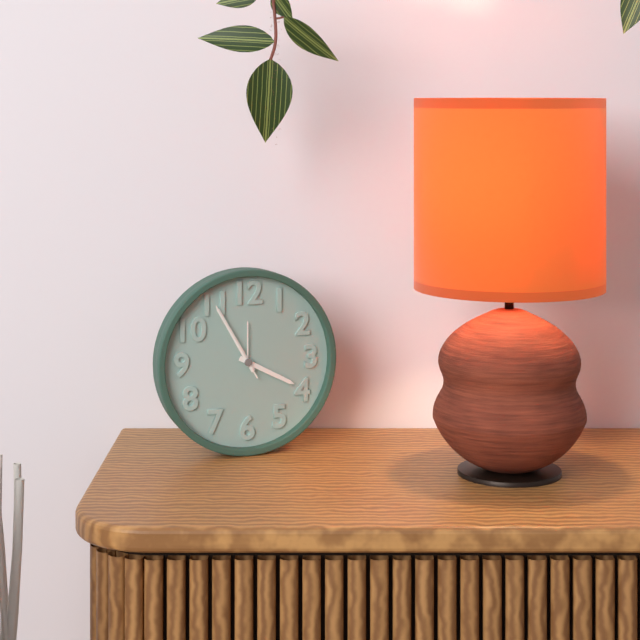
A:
3 h 55 min 55 s
